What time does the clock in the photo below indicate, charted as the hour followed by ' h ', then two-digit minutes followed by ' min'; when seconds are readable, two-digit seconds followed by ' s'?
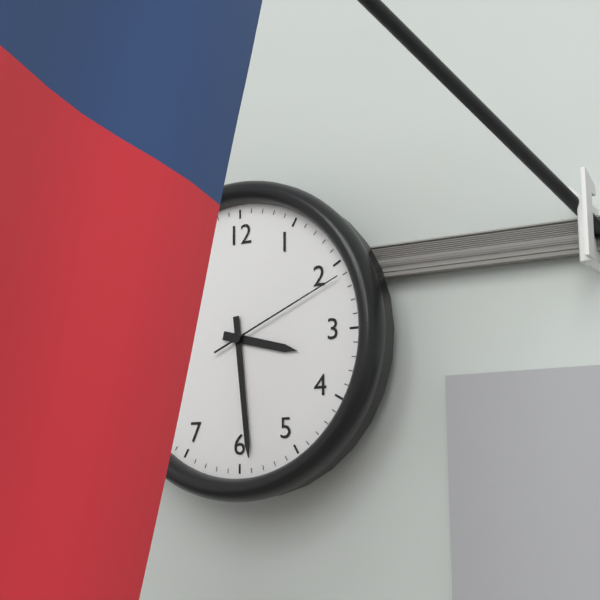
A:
3 h 29 min 11 s
